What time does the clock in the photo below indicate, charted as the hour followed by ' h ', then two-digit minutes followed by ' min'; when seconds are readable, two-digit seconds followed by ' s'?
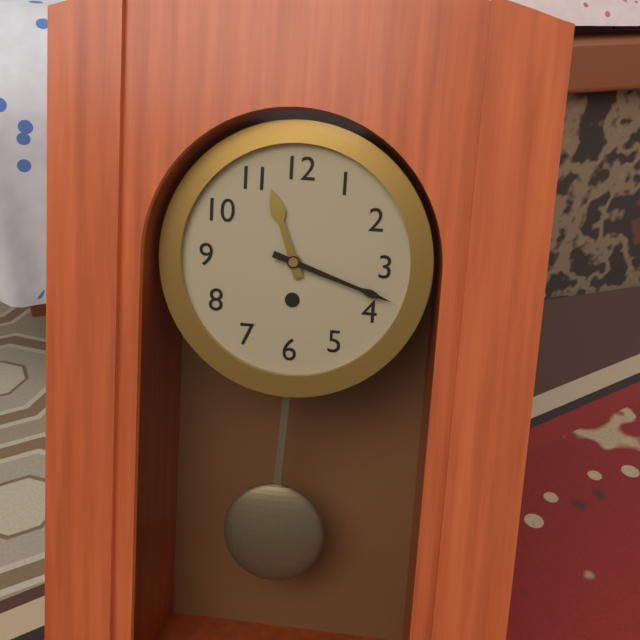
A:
11 h 18 min
